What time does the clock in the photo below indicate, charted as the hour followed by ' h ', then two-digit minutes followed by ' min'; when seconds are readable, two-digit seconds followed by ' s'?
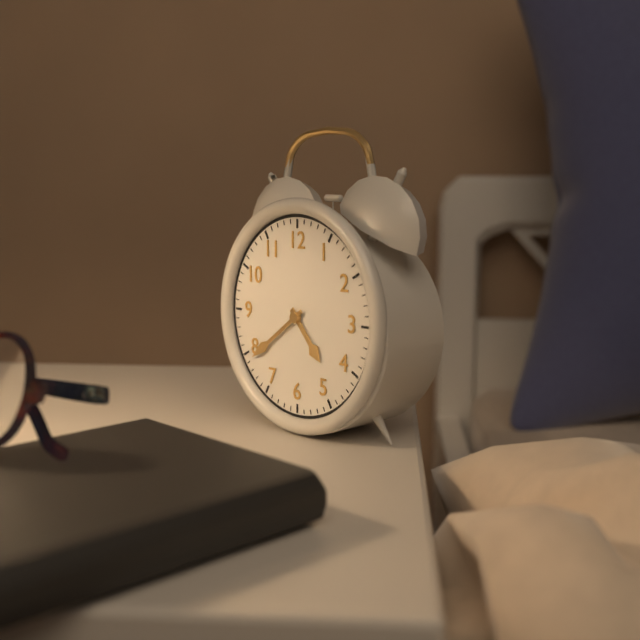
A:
4 h 39 min
